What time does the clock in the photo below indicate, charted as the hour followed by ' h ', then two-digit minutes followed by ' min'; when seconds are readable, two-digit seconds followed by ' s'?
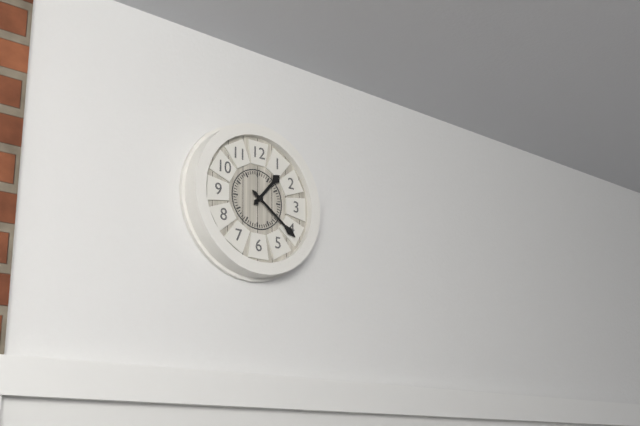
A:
1 h 21 min
